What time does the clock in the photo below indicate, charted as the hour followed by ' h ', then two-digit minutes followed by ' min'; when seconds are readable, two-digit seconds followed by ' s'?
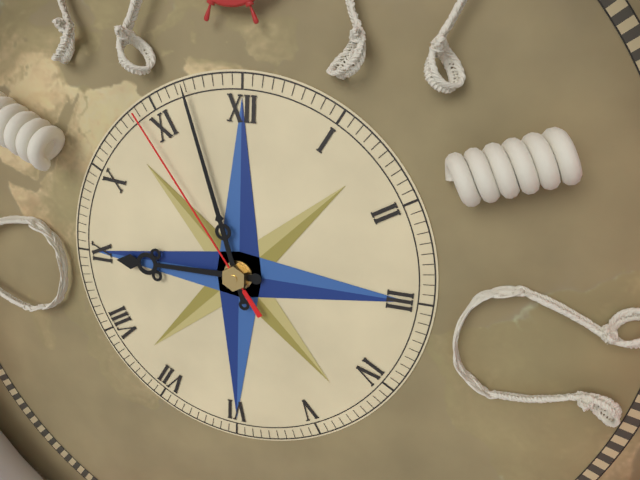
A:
8 h 57 min 54 s
